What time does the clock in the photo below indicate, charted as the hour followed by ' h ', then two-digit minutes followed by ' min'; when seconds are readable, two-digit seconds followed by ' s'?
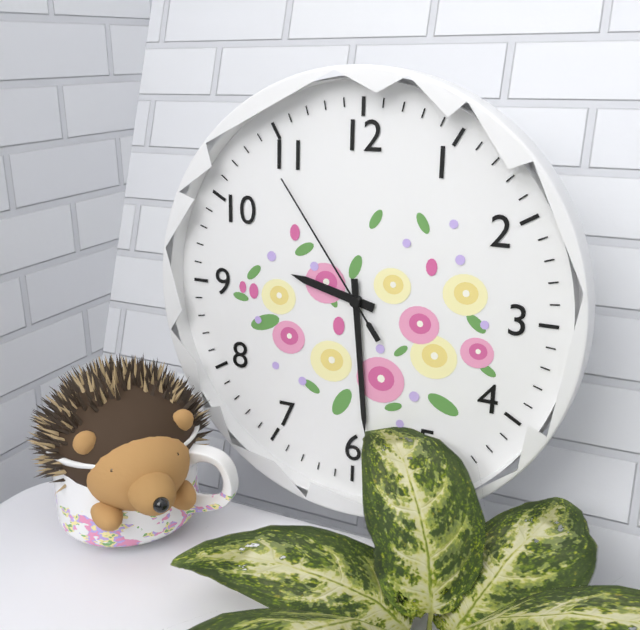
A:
9 h 29 min 54 s
